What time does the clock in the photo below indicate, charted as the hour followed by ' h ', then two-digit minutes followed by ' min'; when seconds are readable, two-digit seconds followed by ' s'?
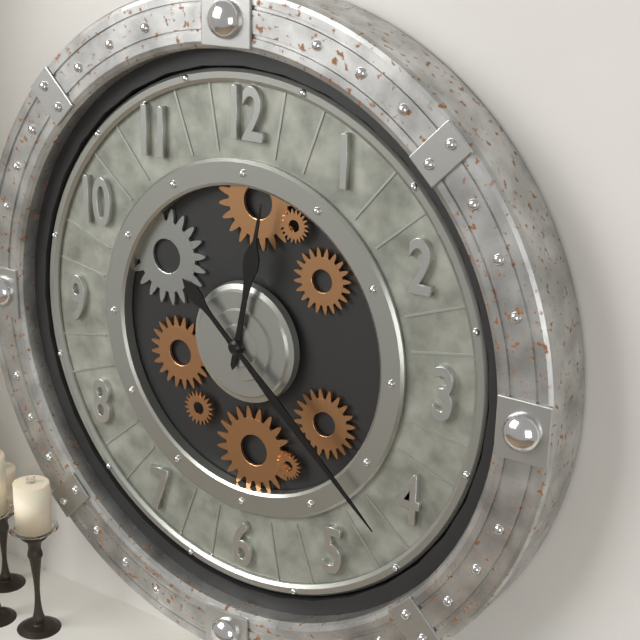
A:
12 h 22 min
